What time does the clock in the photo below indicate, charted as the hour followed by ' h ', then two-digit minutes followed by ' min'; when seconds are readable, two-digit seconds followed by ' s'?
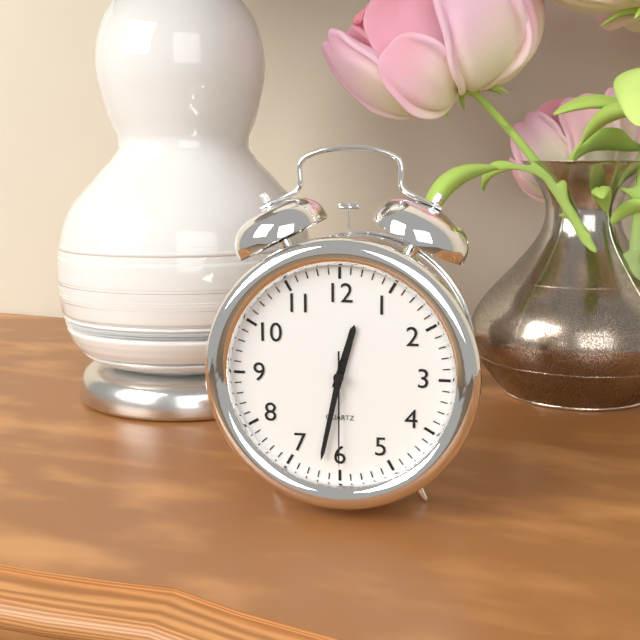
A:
12 h 32 min 30 s
